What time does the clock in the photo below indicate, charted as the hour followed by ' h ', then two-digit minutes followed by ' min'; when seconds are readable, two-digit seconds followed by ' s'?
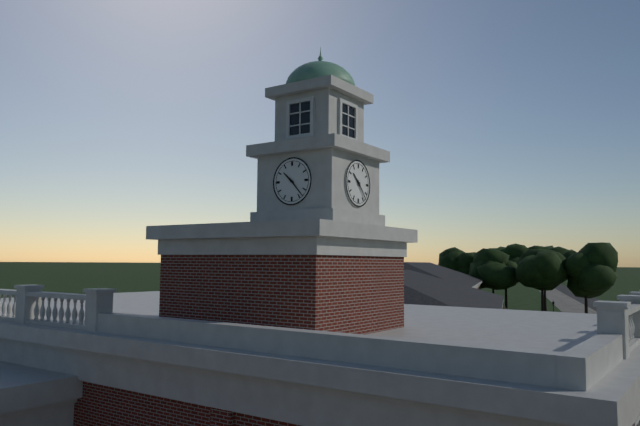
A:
10 h 23 min
